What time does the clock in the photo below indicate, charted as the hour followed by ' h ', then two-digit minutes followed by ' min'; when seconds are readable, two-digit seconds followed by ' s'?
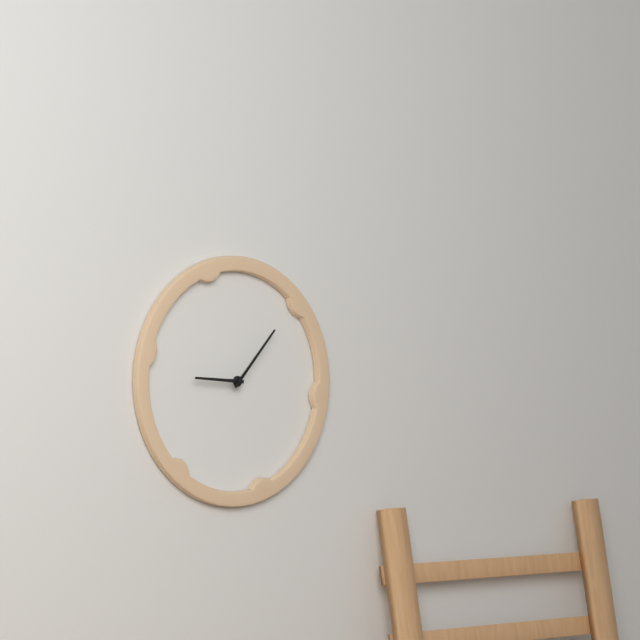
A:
9 h 07 min
